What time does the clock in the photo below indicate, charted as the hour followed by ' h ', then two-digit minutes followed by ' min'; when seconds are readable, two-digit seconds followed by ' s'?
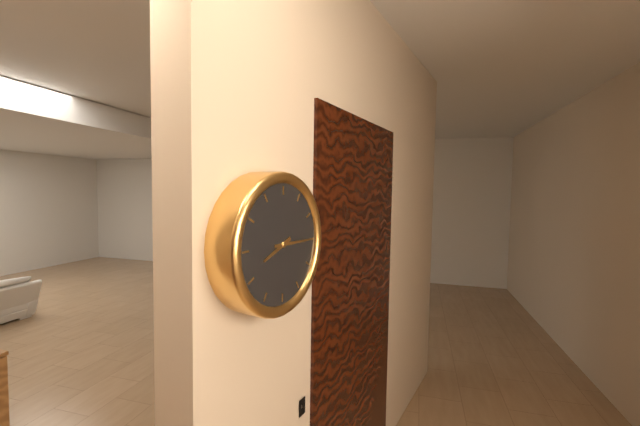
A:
8 h 15 min
